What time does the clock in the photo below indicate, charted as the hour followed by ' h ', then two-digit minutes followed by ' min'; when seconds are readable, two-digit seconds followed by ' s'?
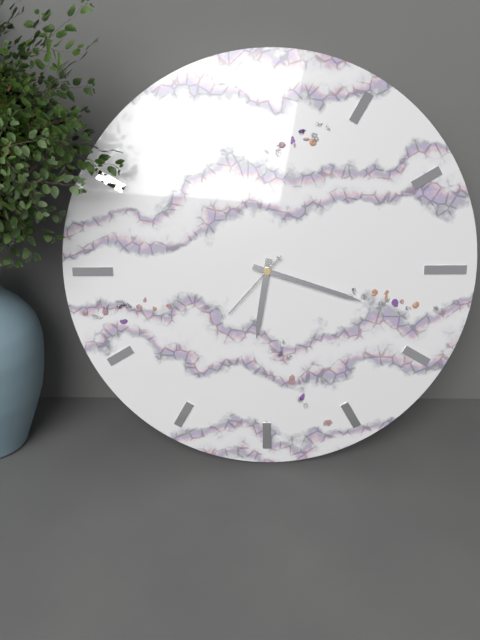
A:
6 h 18 min 37 s
